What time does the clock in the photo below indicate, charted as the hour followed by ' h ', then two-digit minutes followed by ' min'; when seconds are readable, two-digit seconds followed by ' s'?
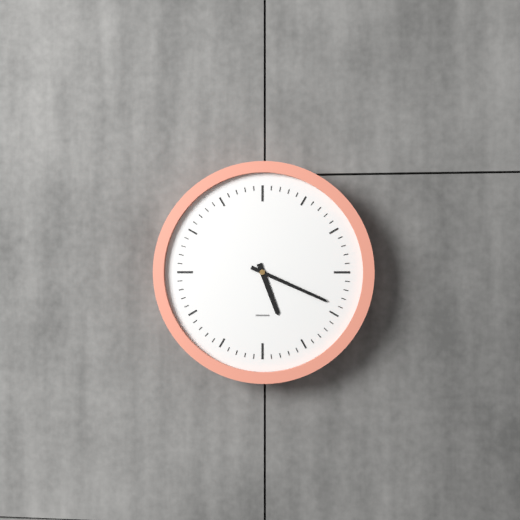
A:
5 h 19 min
